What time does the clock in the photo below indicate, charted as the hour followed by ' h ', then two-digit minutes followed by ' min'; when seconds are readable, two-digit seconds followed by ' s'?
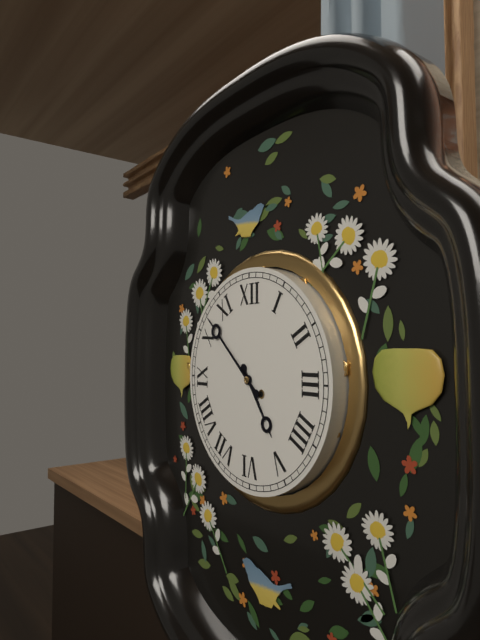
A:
4 h 52 min
